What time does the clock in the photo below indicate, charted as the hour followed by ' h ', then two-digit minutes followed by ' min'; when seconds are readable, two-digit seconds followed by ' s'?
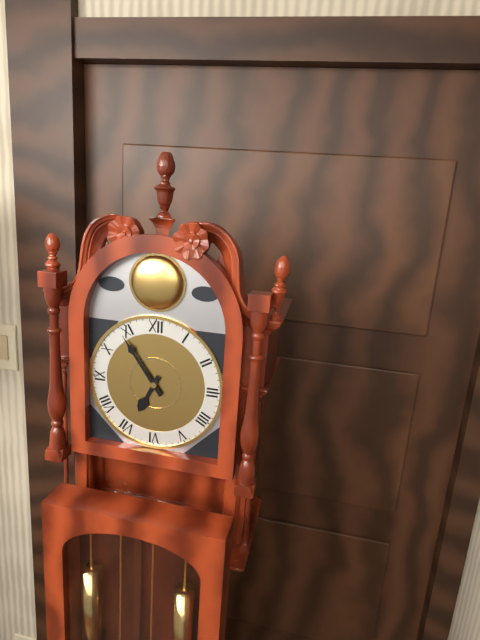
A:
6 h 54 min
